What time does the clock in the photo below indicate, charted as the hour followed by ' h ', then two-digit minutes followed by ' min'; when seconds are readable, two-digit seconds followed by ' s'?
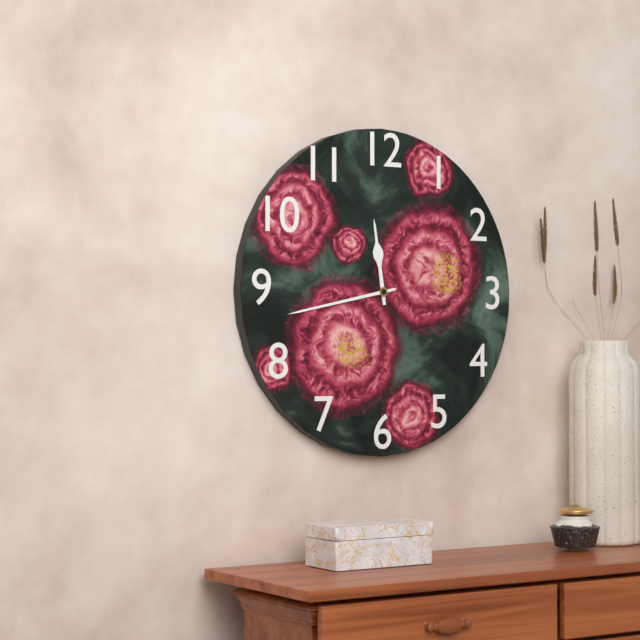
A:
11 h 43 min
